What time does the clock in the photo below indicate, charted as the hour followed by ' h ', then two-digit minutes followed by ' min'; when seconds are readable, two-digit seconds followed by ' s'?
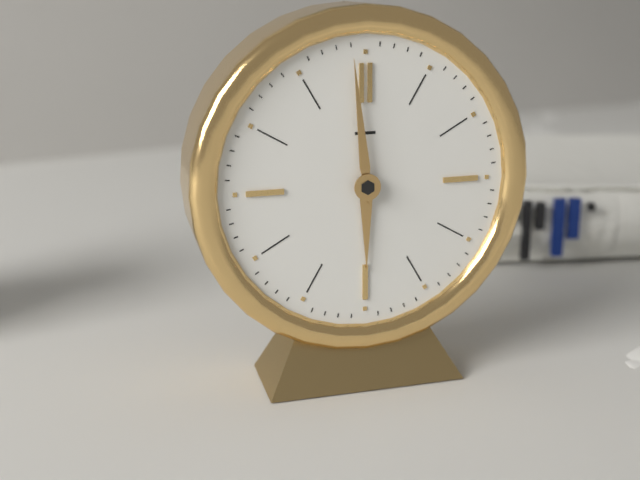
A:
5 h 59 min
